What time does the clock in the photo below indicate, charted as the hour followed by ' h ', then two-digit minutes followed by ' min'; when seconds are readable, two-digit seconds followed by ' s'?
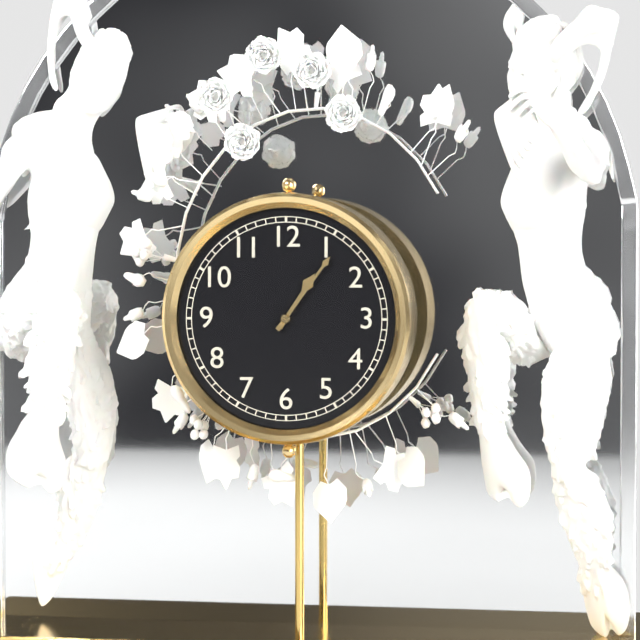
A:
1 h 06 min
